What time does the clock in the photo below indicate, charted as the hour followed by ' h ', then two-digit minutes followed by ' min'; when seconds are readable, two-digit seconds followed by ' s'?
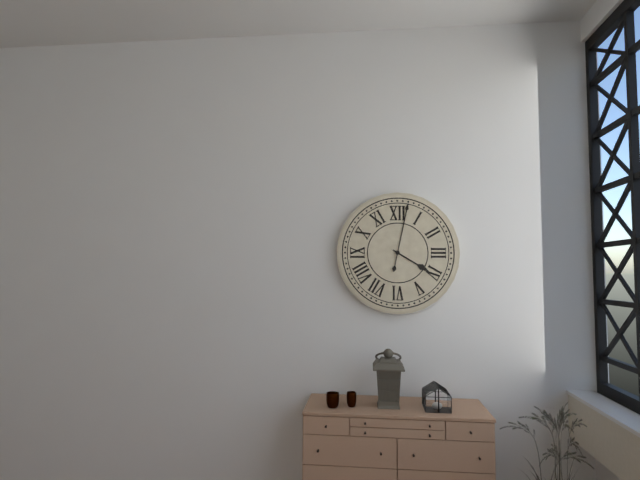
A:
4 h 02 min
